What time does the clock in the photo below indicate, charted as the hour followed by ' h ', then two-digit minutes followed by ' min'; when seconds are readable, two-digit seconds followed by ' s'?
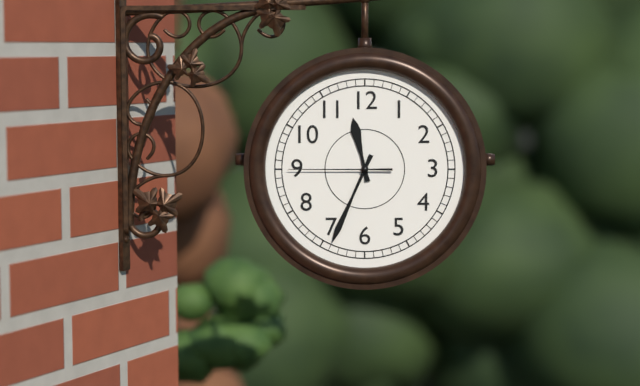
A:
11 h 34 min 45 s
